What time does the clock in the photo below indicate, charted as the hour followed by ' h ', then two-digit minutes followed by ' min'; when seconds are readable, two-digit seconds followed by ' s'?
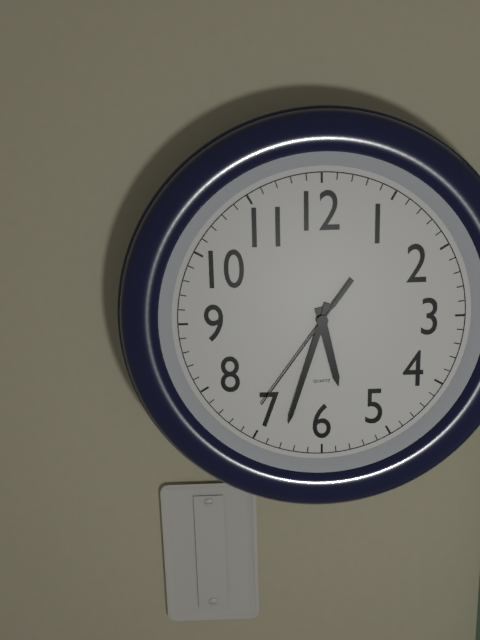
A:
5 h 33 min 36 s
